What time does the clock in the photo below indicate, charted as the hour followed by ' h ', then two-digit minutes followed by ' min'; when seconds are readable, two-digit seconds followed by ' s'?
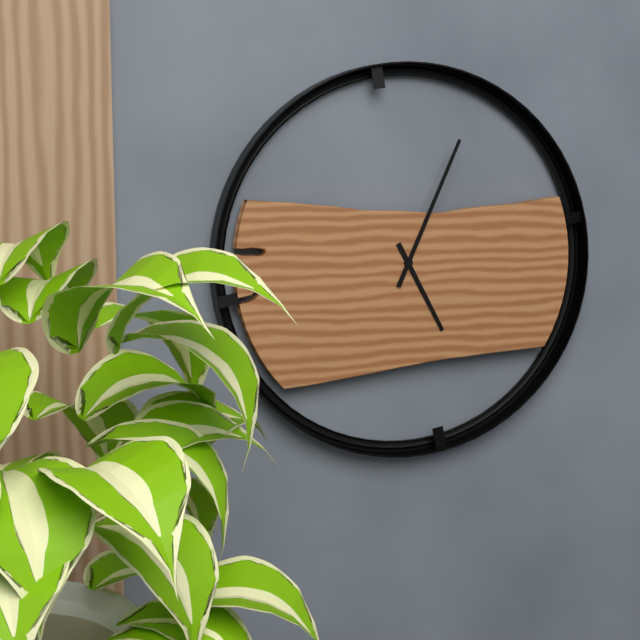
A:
5 h 04 min
